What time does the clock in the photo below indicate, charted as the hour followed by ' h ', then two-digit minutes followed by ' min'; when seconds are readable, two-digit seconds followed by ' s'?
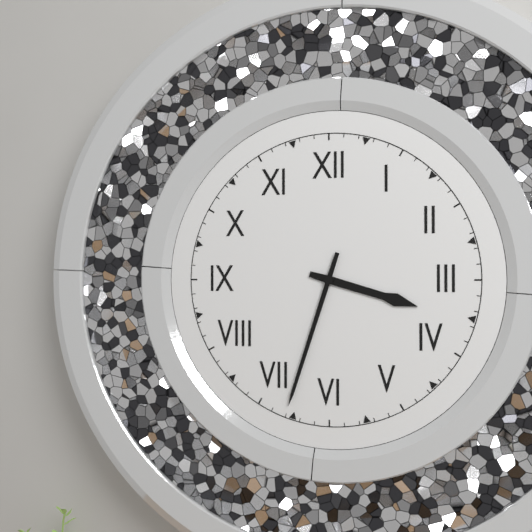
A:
3 h 33 min
